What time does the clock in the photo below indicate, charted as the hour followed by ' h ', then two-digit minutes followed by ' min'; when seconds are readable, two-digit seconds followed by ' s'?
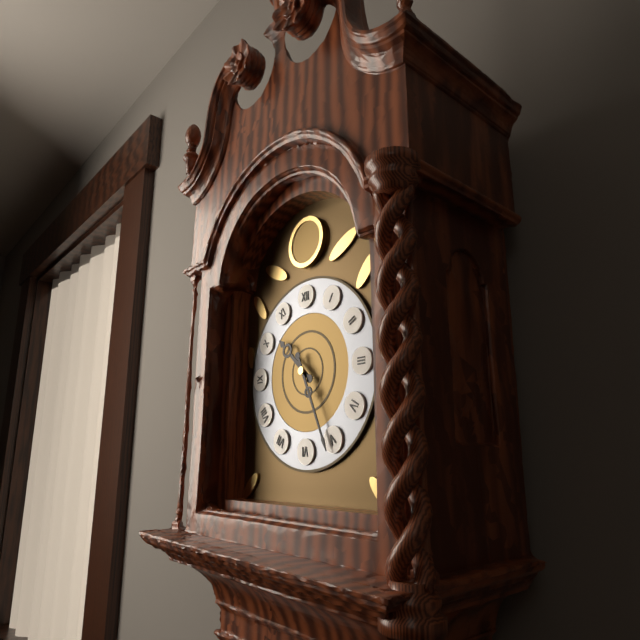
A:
10 h 26 min
